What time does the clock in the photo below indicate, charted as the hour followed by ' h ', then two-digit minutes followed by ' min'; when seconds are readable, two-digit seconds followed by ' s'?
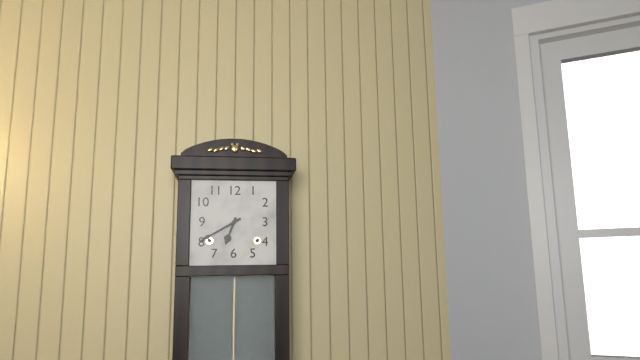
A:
6 h 40 min
